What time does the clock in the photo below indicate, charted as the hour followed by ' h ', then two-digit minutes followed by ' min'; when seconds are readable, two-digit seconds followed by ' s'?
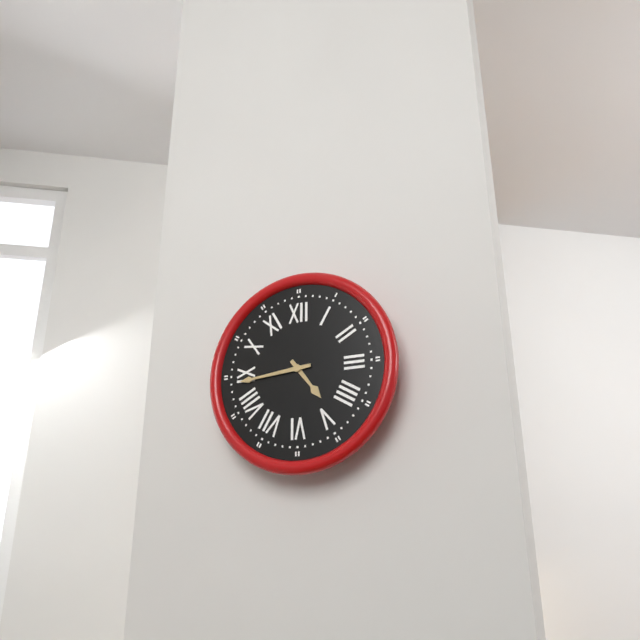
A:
4 h 44 min
